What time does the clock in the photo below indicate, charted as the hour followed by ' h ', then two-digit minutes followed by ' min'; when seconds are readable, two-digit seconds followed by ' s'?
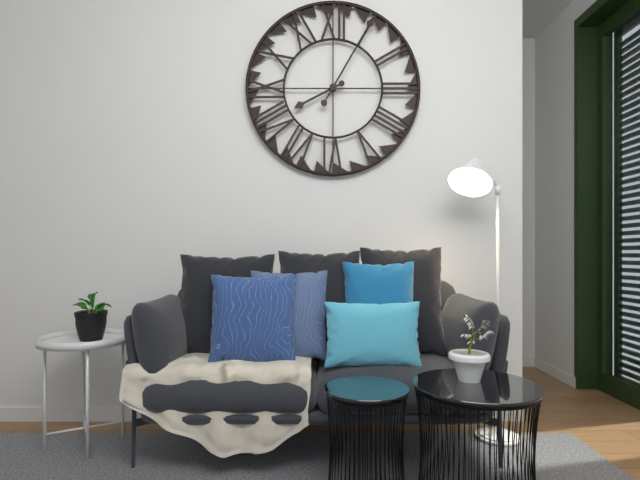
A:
8 h 05 min
